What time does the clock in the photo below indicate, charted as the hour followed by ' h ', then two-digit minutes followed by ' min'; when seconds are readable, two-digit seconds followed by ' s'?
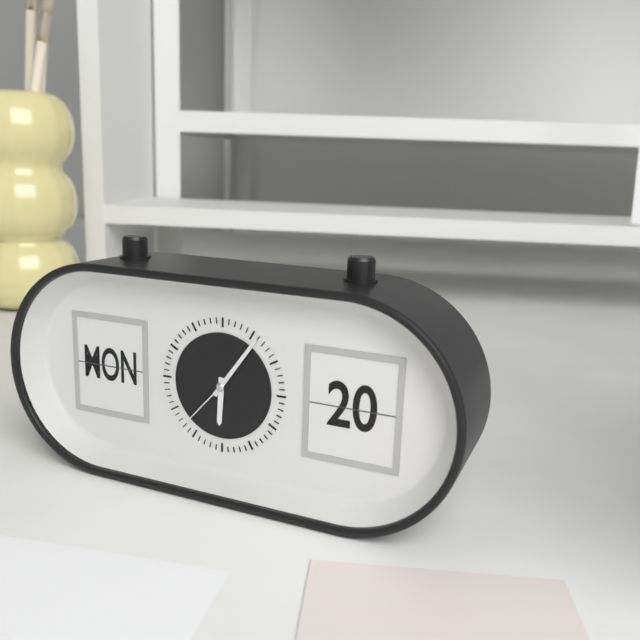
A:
6 h 06 min 37 s
